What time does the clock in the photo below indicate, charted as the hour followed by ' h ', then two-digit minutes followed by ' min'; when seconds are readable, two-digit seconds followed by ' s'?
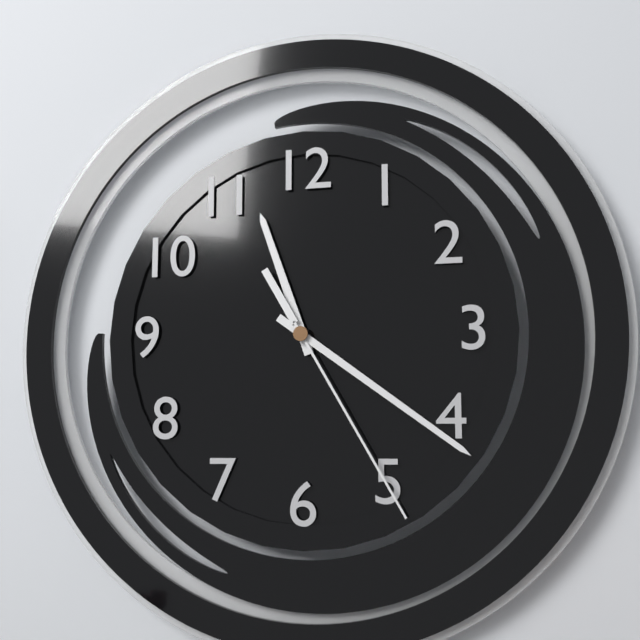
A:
11 h 21 min 25 s
